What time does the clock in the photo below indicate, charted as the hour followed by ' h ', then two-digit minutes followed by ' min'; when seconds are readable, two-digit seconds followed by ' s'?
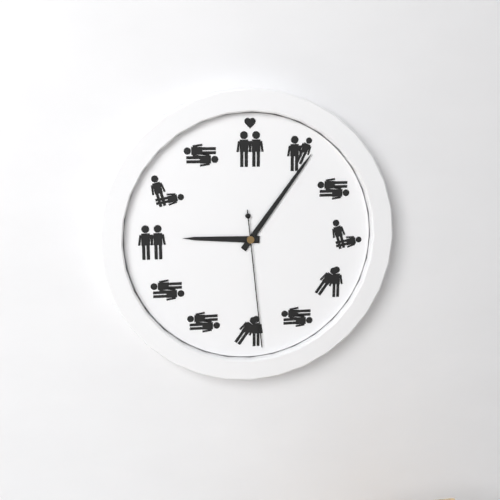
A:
9 h 06 min 29 s
